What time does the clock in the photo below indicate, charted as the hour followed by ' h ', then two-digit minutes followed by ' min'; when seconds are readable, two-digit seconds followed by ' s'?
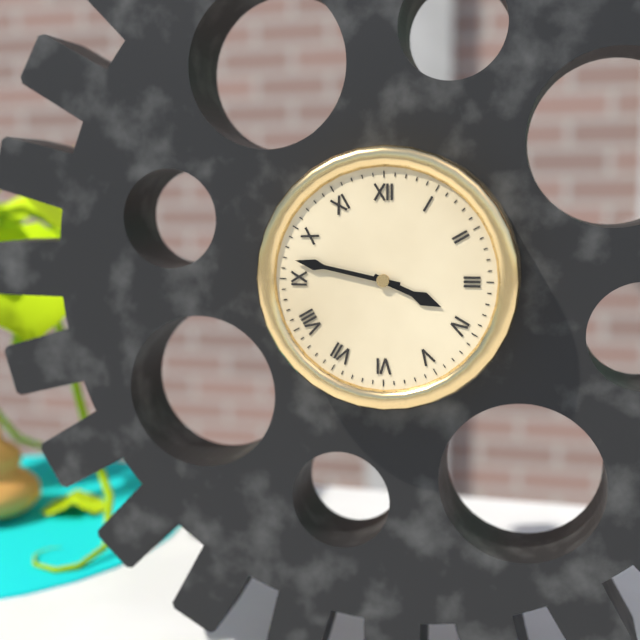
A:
3 h 47 min
